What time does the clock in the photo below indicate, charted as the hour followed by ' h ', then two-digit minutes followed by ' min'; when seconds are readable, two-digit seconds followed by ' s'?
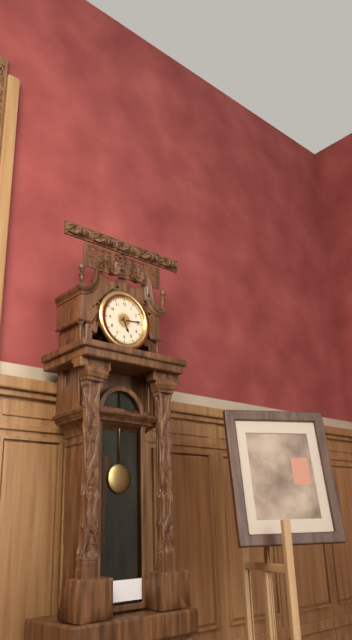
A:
5 h 14 min
